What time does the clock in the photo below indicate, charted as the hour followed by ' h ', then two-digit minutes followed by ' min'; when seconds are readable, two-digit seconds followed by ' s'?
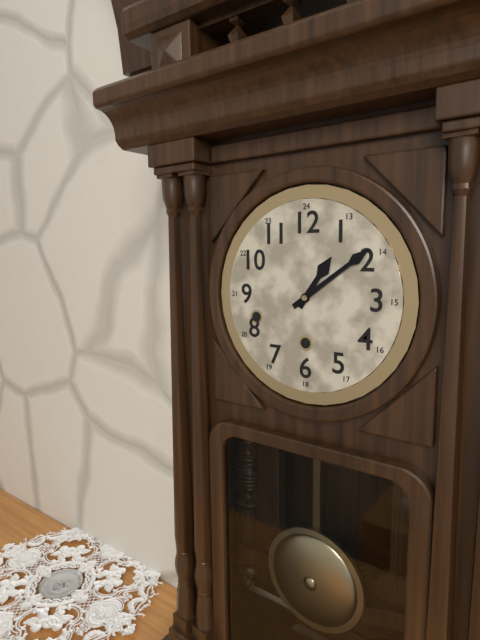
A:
1 h 09 min
